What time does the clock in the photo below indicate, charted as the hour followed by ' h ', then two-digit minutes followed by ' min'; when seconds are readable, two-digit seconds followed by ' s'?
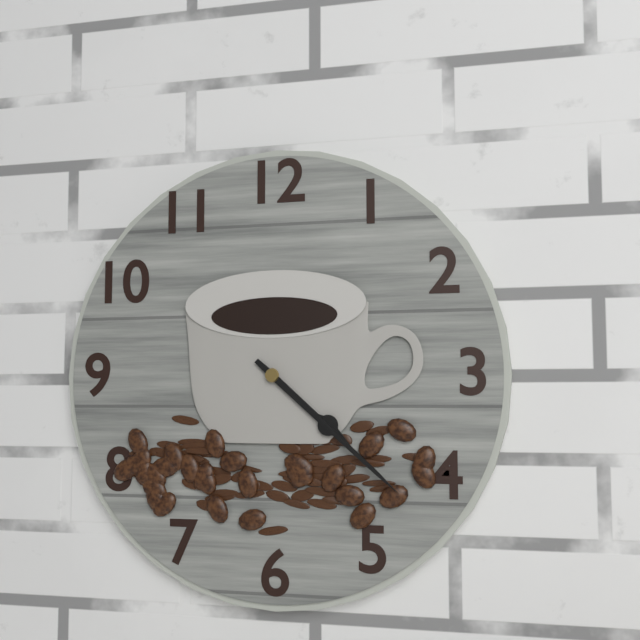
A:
4 h 22 min
